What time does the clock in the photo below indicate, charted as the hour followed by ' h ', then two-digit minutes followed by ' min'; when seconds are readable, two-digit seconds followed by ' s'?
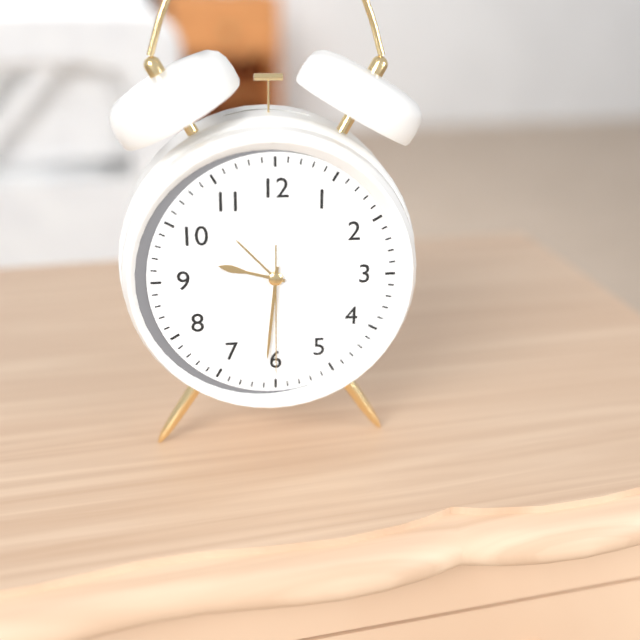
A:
9 h 31 min 30 s
